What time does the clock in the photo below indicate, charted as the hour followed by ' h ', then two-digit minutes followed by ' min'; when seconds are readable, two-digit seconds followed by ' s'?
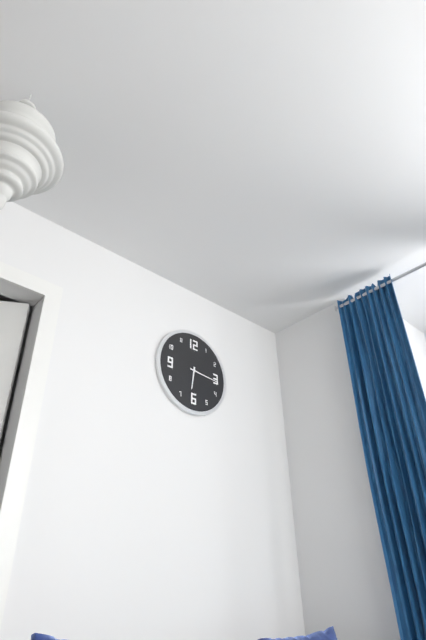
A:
6 h 16 min
